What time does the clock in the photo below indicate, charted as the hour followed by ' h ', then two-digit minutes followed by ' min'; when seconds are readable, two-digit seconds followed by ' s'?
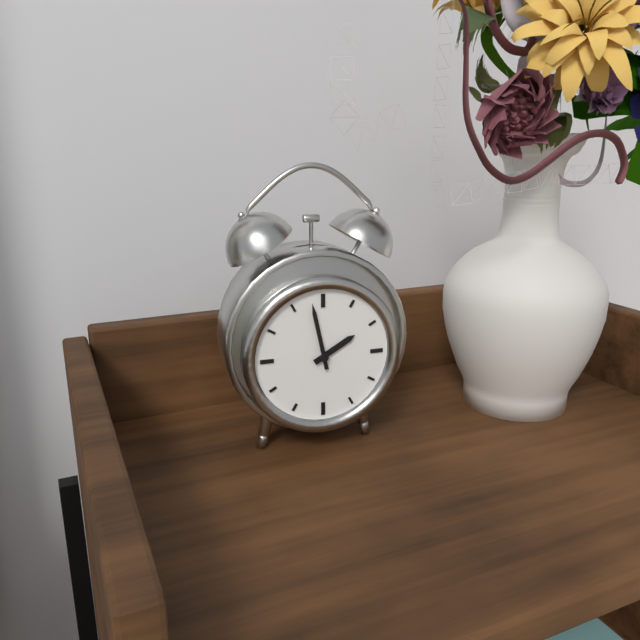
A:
1 h 58 min
